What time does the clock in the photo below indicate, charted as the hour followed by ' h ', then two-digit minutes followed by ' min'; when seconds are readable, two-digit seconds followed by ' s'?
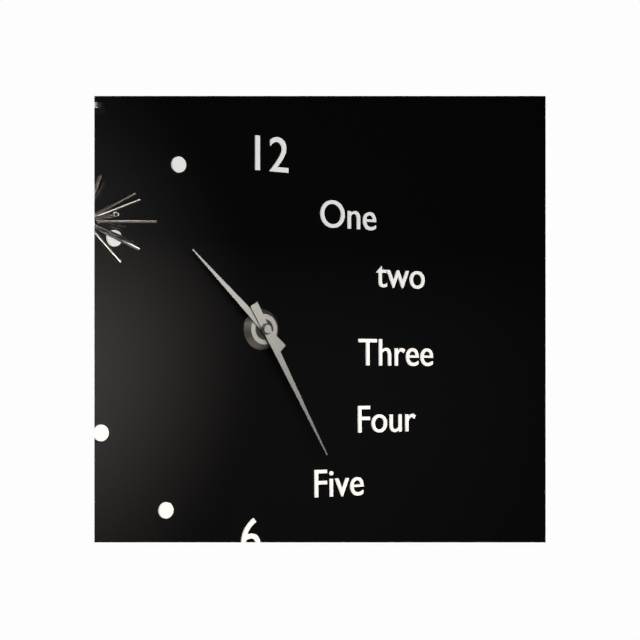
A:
10 h 25 min
